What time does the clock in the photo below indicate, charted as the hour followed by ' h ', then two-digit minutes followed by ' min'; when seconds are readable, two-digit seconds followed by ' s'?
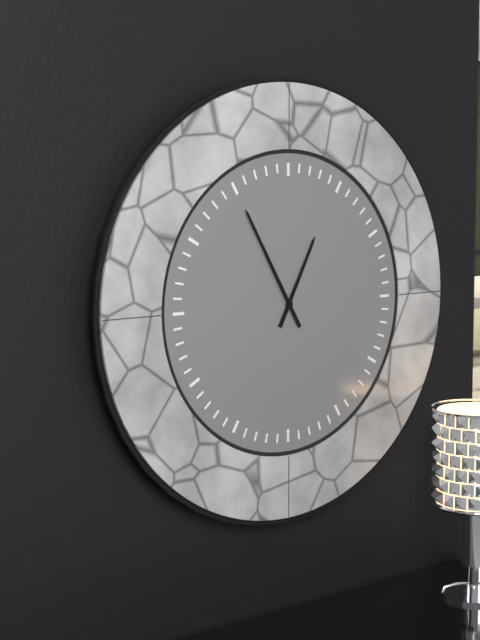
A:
12 h 55 min
